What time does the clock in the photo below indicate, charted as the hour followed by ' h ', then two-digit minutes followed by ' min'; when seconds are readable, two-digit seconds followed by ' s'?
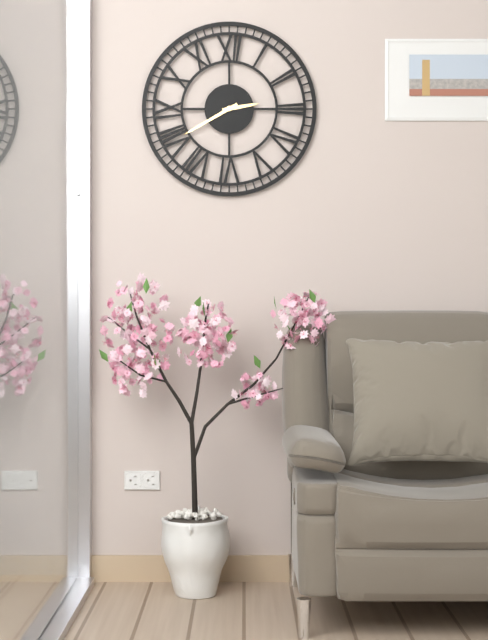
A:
2 h 40 min
